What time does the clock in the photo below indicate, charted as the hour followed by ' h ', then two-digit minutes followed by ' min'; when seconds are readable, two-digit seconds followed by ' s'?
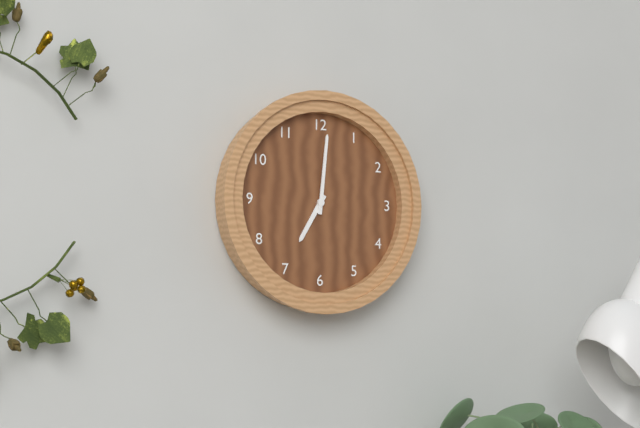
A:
7 h 01 min
